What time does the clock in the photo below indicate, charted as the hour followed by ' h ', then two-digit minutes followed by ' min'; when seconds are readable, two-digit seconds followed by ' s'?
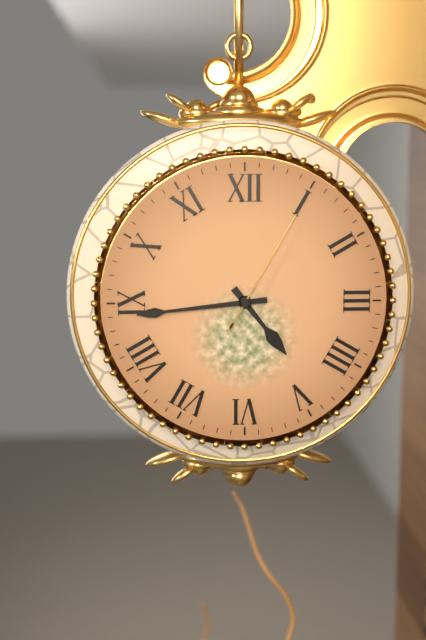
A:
4 h 44 min 05 s
